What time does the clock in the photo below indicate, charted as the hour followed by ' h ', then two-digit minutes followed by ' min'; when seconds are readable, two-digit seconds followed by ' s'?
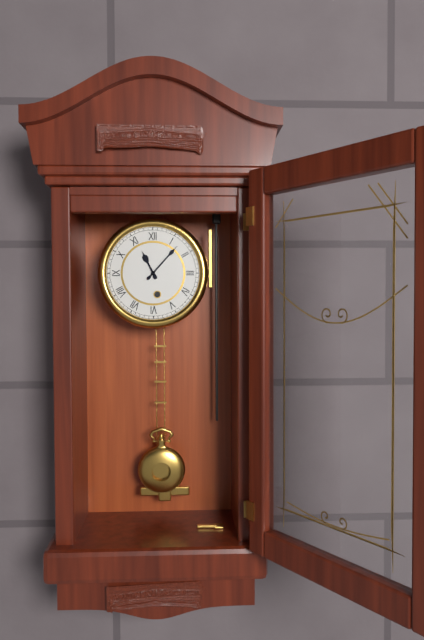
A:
11 h 07 min
